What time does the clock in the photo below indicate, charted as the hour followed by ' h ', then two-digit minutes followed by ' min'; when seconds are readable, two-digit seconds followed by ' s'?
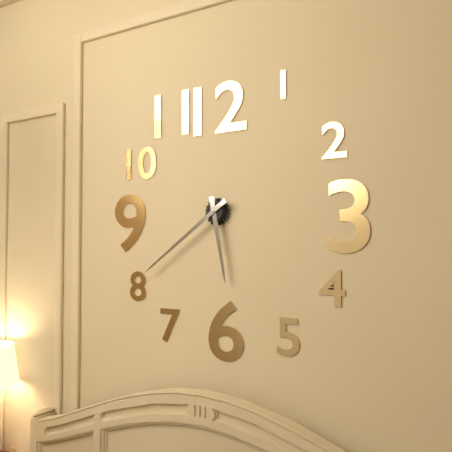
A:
5 h 39 min
